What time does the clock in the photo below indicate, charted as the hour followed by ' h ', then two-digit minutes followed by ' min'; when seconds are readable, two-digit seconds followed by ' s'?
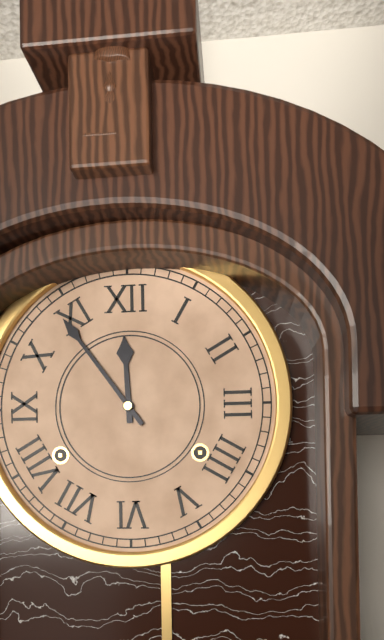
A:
11 h 54 min
